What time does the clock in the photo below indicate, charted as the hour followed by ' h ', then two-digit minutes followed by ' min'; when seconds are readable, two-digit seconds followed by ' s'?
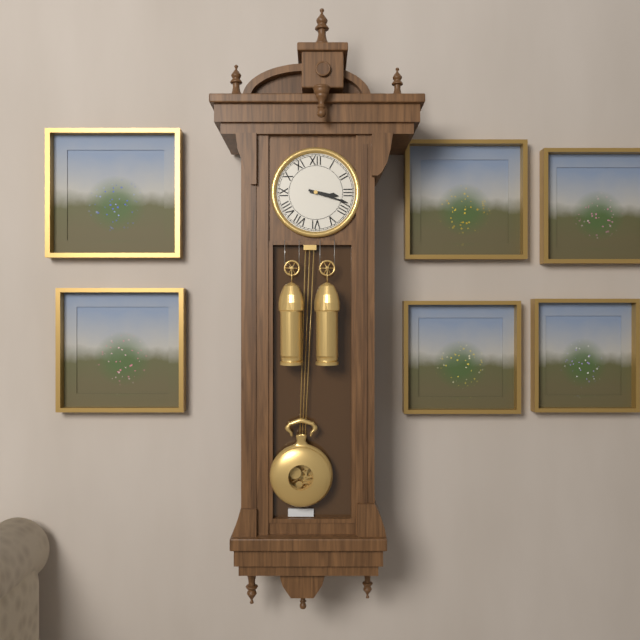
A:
3 h 18 min
